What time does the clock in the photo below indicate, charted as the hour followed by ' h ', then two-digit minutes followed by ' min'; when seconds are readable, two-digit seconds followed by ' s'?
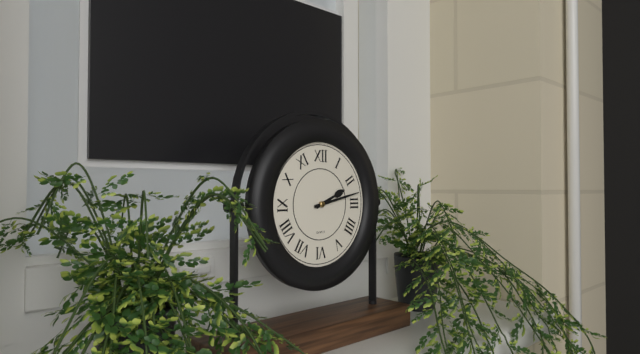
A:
2 h 13 min
